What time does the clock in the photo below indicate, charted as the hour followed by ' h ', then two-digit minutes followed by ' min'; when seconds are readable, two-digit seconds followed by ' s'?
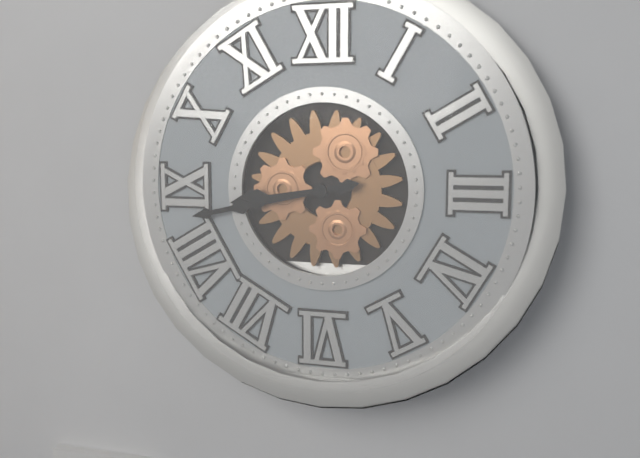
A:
8 h 43 min
